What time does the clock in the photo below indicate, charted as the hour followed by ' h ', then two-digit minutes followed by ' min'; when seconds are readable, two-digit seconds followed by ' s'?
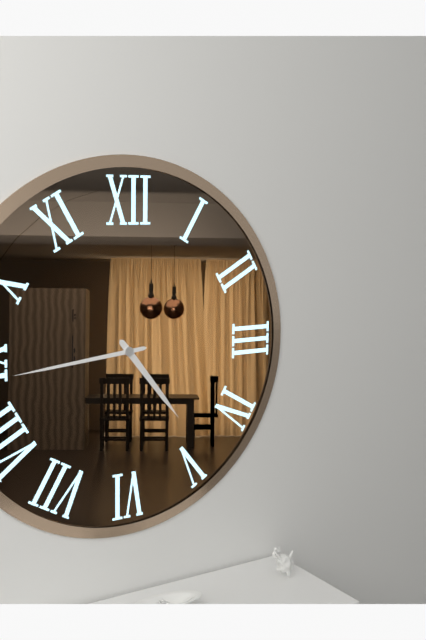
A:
4 h 44 min
